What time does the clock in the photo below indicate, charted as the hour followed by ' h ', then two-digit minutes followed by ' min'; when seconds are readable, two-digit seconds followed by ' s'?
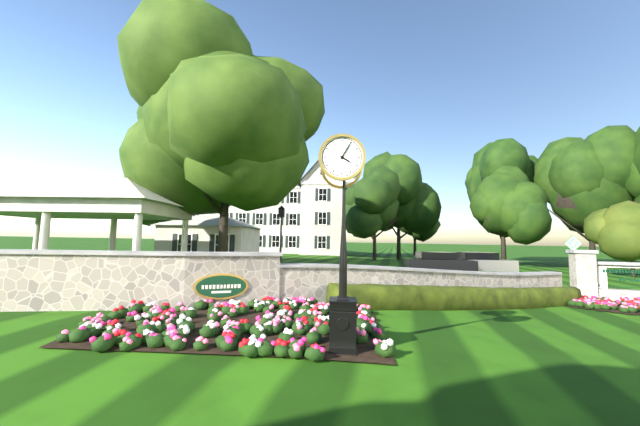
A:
4 h 05 min
